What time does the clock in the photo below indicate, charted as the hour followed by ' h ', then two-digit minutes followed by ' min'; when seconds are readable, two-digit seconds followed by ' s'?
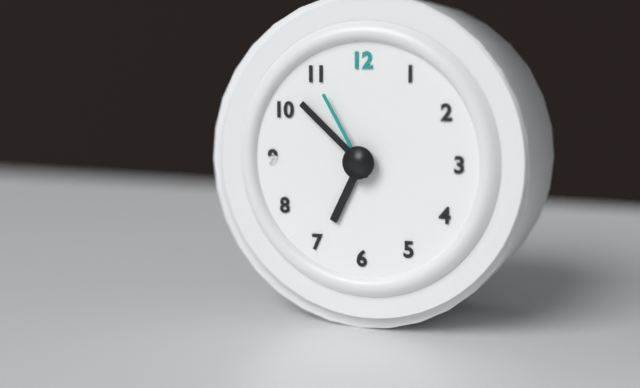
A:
6 h 52 min 55 s
